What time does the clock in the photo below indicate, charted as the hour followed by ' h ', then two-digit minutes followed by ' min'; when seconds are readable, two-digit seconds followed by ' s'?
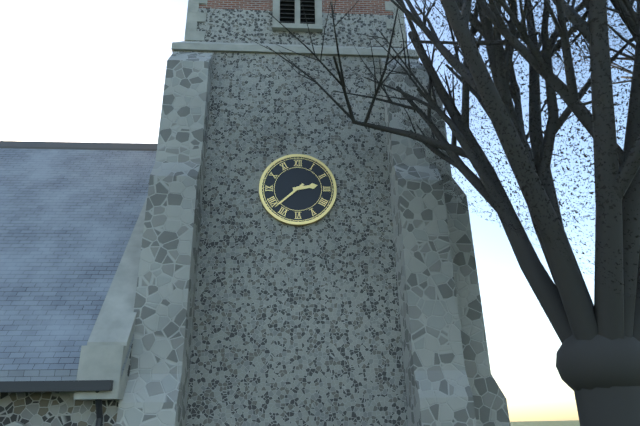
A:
2 h 38 min
